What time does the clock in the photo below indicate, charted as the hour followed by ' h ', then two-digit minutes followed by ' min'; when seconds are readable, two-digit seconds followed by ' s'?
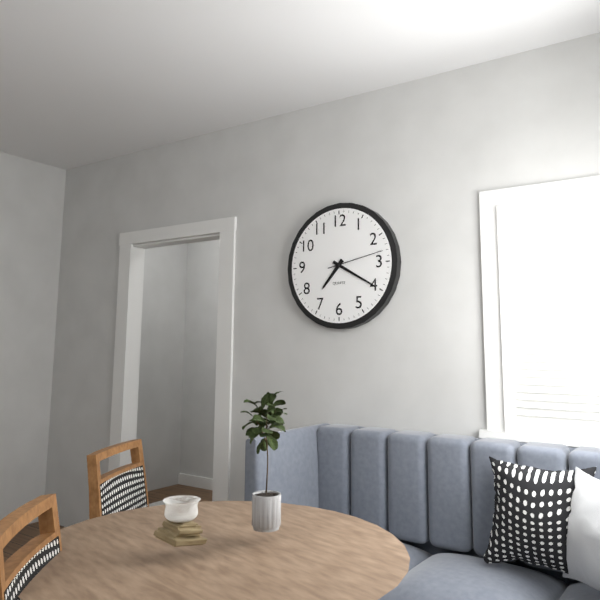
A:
7 h 20 min 13 s
